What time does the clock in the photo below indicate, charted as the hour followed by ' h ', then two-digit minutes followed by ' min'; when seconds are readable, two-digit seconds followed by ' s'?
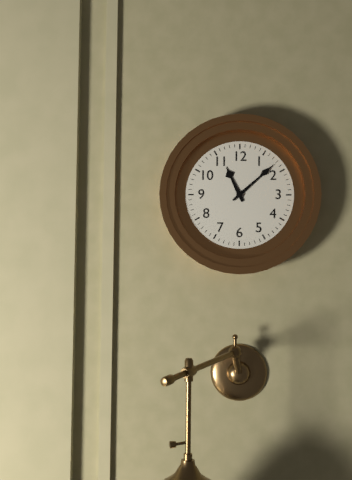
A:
11 h 08 min
